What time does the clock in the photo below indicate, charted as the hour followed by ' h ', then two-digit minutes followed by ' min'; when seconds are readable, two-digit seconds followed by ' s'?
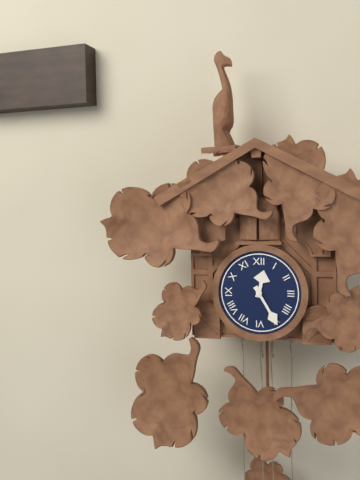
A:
12 h 25 min
